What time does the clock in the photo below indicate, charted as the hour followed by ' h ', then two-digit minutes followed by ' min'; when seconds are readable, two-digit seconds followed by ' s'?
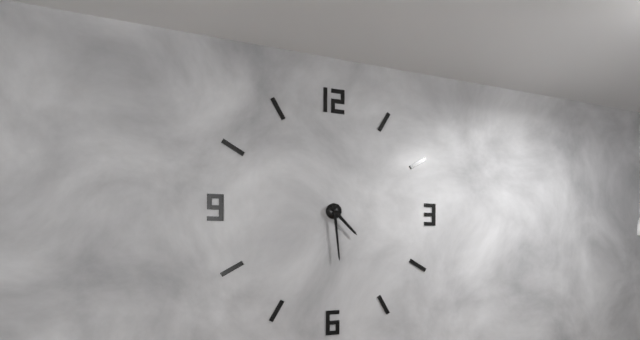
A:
4 h 29 min
